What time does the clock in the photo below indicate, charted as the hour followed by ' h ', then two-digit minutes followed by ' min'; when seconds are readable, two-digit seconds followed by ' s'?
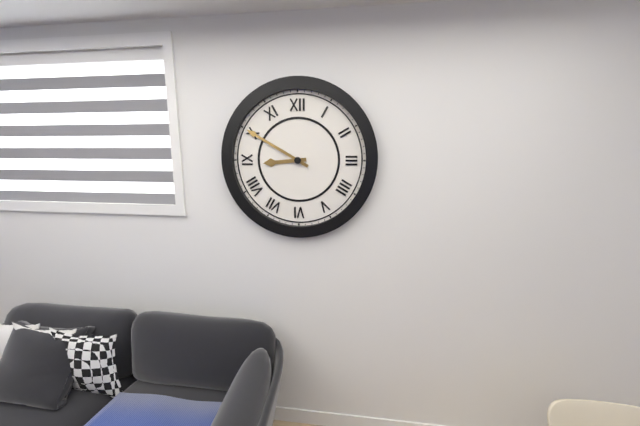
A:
8 h 50 min
